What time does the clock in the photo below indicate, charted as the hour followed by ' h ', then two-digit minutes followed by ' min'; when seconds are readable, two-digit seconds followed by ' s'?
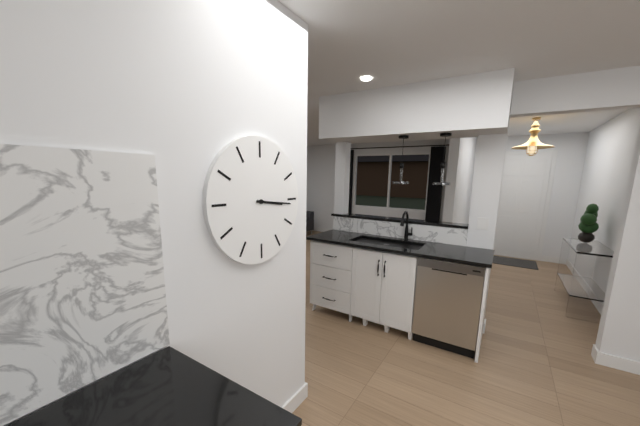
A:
3 h 16 min
